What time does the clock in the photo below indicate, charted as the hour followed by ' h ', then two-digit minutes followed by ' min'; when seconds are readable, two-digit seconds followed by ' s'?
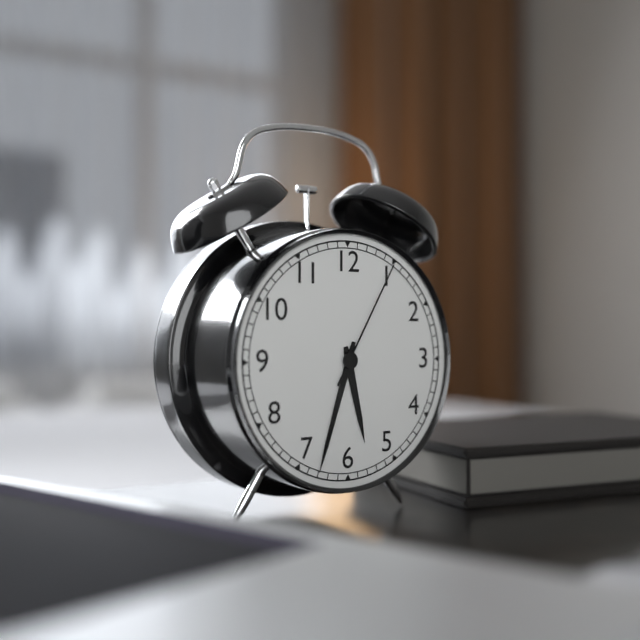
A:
5 h 33 min 05 s
